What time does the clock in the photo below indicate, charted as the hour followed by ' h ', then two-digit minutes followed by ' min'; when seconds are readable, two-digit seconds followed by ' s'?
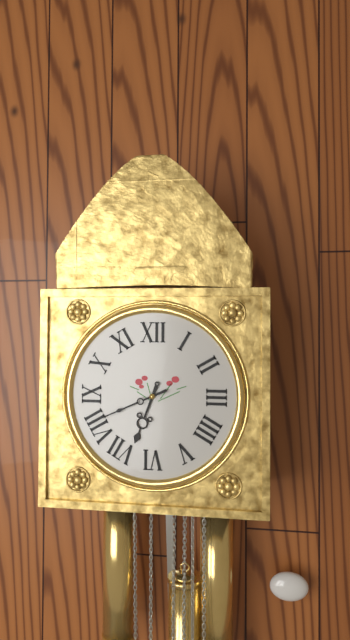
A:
6 h 41 min
